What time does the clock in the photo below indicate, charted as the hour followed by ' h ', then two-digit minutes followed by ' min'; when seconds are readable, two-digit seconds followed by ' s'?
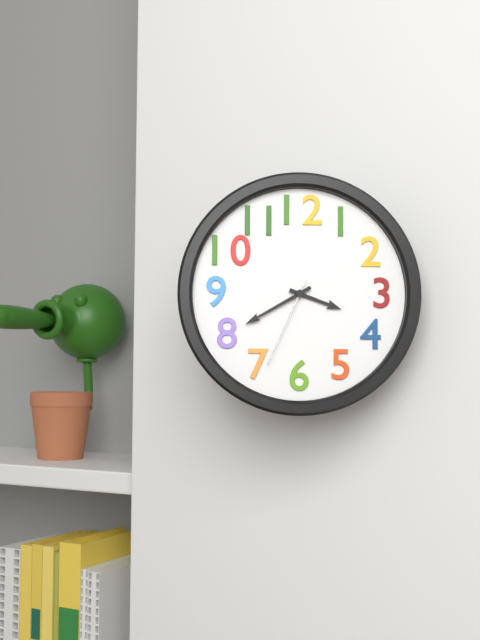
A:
3 h 40 min 34 s
